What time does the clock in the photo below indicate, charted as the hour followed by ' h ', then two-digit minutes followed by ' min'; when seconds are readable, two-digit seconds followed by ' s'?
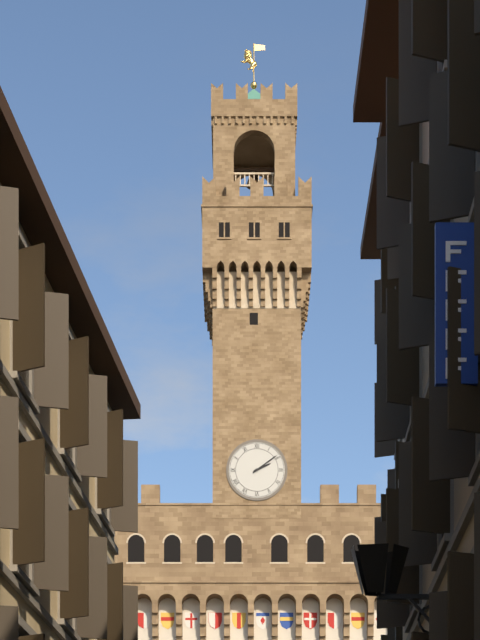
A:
2 h 09 min
